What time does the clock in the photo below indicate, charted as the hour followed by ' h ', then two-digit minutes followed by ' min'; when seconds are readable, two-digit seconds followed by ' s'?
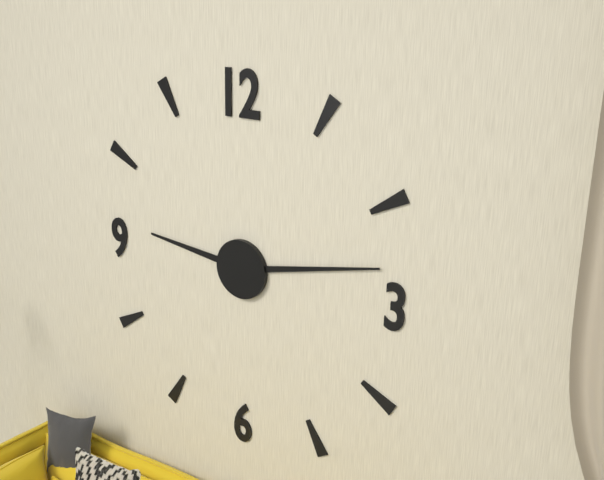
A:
9 h 13 min
